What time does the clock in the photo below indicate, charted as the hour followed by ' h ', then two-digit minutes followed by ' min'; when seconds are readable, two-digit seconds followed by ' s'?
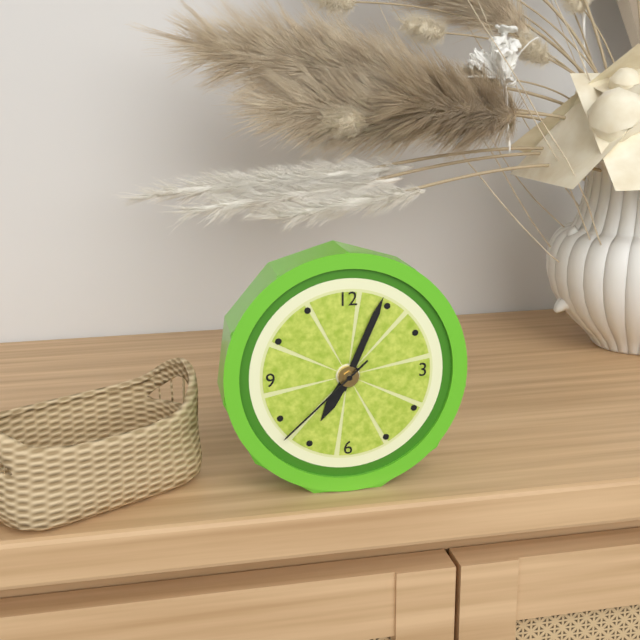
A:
7 h 04 min 38 s
